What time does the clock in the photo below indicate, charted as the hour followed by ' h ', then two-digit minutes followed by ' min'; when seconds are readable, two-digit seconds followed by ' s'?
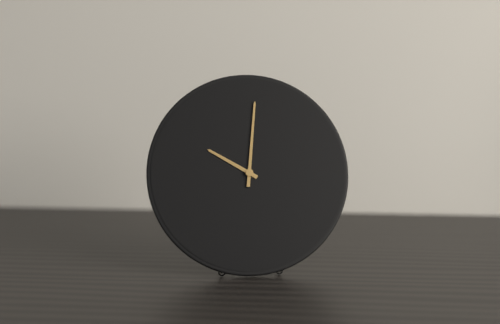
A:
10 h 01 min
